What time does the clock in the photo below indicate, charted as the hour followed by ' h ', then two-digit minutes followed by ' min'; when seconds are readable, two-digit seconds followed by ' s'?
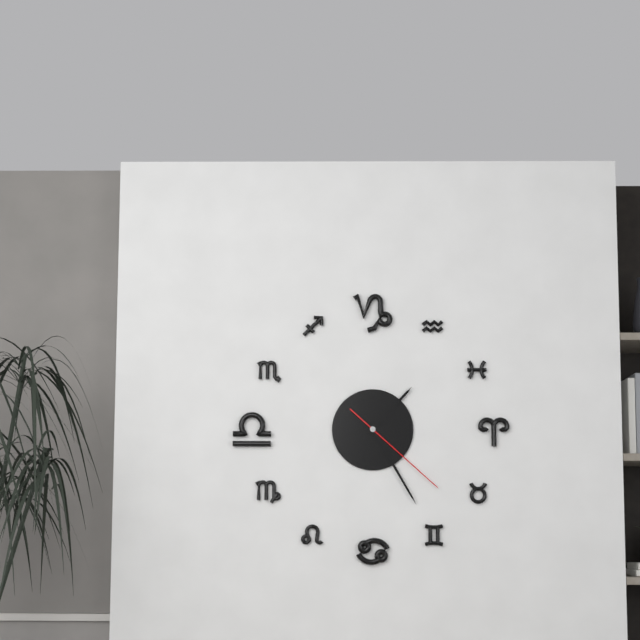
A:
1 h 25 min 22 s
